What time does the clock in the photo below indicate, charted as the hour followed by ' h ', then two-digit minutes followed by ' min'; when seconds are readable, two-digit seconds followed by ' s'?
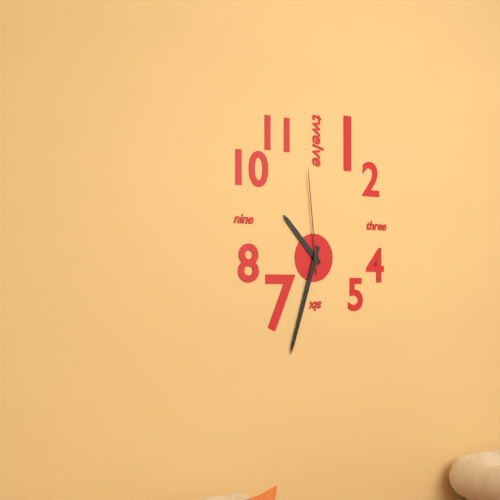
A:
10 h 33 min 59 s
